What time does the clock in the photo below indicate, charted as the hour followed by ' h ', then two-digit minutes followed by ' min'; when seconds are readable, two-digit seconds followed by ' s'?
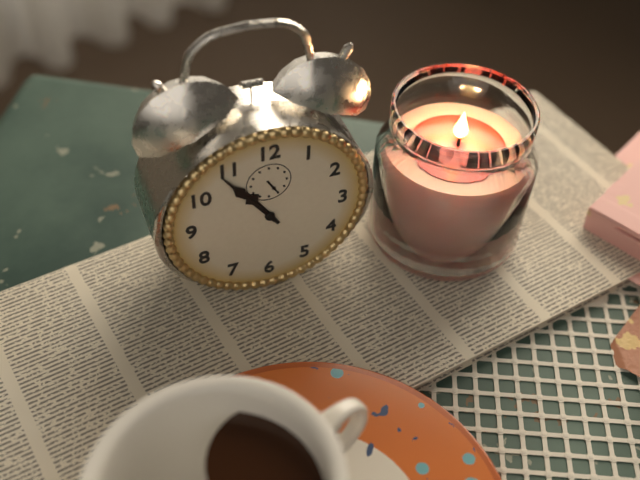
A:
10 h 54 min
